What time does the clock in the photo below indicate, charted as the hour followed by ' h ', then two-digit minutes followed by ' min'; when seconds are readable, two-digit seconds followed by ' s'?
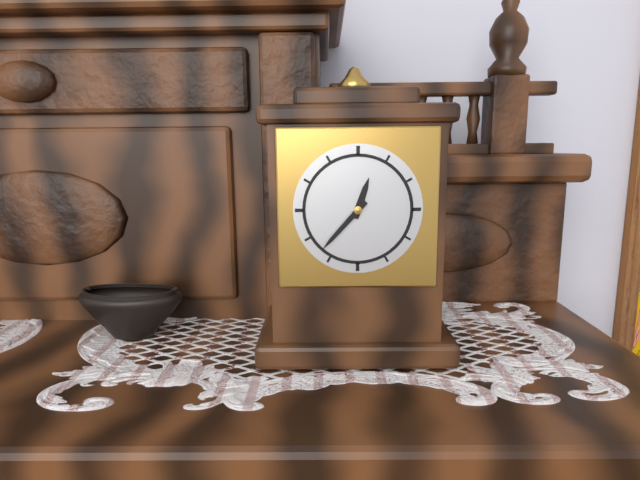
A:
12 h 37 min
